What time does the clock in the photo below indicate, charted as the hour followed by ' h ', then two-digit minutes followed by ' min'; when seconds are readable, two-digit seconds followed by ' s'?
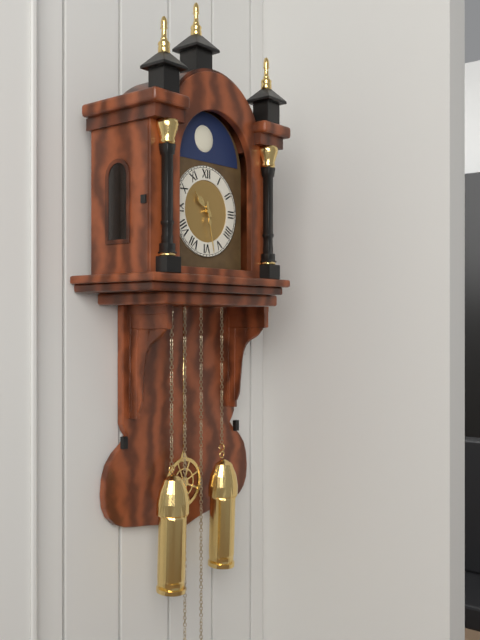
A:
10 h 28 min
